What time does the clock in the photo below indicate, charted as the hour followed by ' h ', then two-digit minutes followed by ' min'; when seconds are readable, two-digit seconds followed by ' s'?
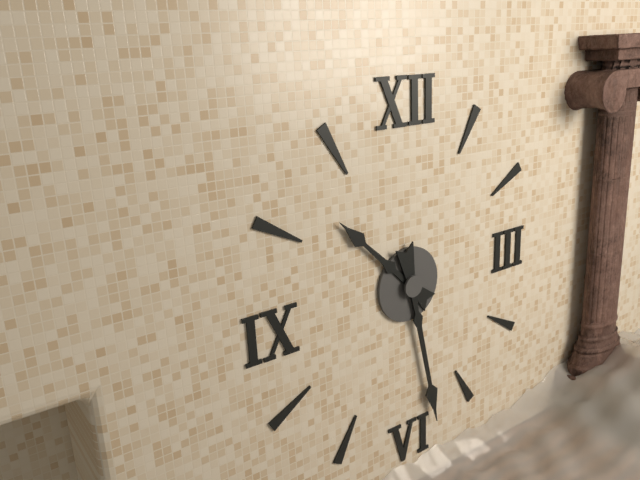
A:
10 h 28 min
